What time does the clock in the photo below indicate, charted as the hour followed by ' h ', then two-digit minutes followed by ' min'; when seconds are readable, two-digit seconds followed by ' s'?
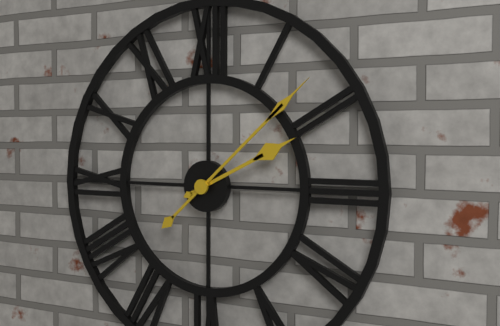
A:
2 h 08 min
